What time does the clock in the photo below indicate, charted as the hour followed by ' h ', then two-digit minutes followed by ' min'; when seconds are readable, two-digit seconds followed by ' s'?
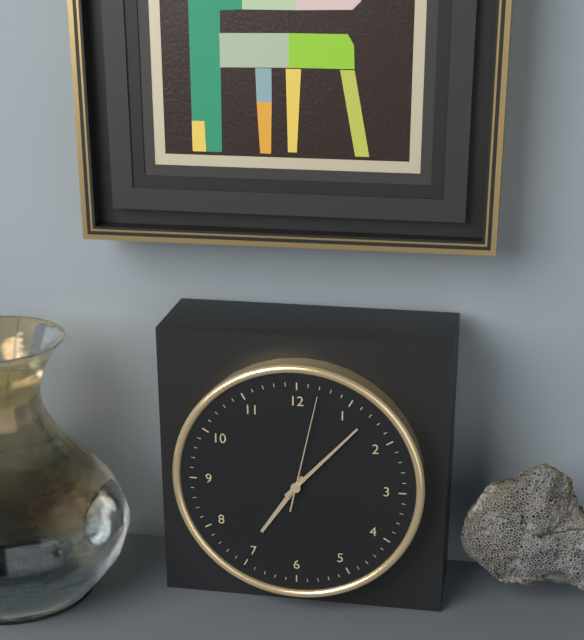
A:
7 h 07 min 02 s
